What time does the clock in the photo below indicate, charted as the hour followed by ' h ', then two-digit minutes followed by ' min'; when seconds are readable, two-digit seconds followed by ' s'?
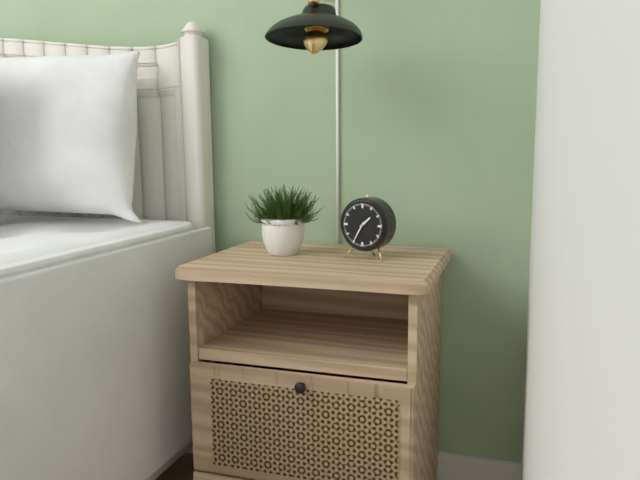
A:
1 h 35 min
